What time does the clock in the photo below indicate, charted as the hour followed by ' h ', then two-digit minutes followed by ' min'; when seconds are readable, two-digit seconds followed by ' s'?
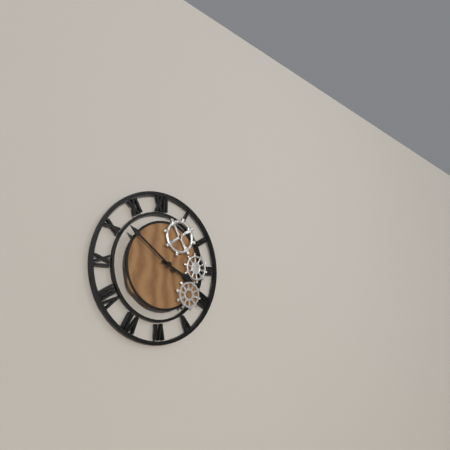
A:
3 h 51 min
